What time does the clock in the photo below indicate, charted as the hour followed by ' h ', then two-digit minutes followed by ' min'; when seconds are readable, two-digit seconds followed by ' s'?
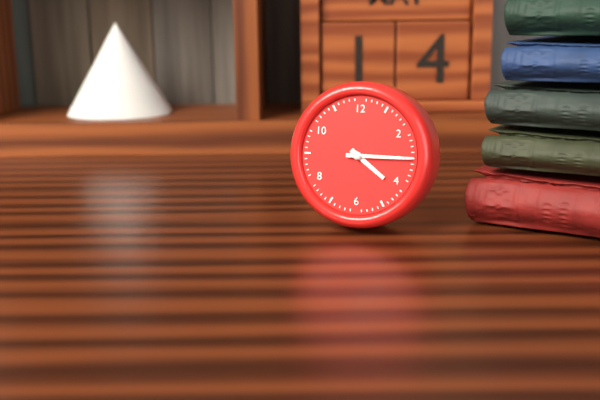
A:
4 h 15 min
